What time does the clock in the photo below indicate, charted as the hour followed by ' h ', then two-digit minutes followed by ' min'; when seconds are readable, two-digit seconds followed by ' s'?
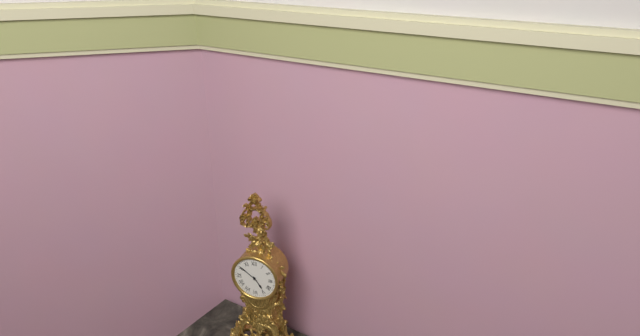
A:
4 h 51 min
